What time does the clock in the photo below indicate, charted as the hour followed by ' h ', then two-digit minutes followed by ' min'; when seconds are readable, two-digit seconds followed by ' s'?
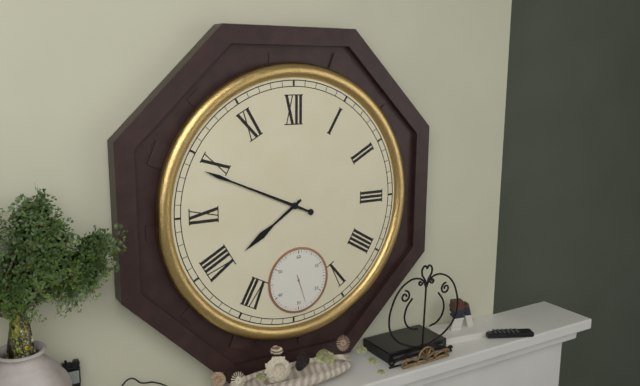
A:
7 h 49 min
